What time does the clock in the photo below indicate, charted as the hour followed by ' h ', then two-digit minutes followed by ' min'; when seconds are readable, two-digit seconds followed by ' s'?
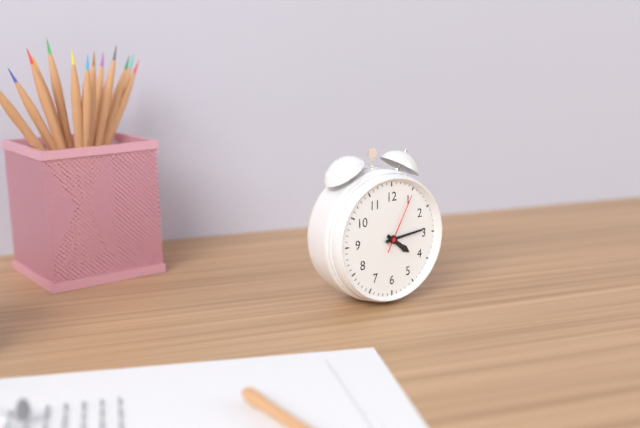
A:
4 h 14 min 05 s
